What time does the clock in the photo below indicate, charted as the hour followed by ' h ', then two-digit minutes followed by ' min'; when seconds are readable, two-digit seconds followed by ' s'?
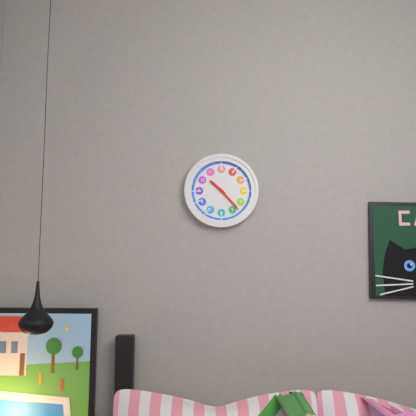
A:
10 h 23 min
